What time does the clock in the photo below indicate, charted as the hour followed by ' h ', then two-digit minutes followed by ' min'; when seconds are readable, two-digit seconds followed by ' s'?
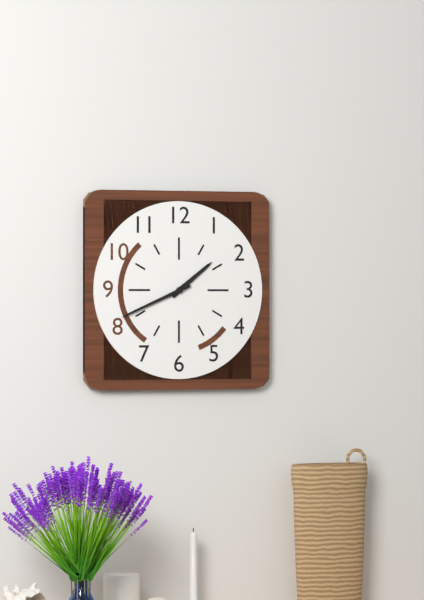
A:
1 h 41 min
